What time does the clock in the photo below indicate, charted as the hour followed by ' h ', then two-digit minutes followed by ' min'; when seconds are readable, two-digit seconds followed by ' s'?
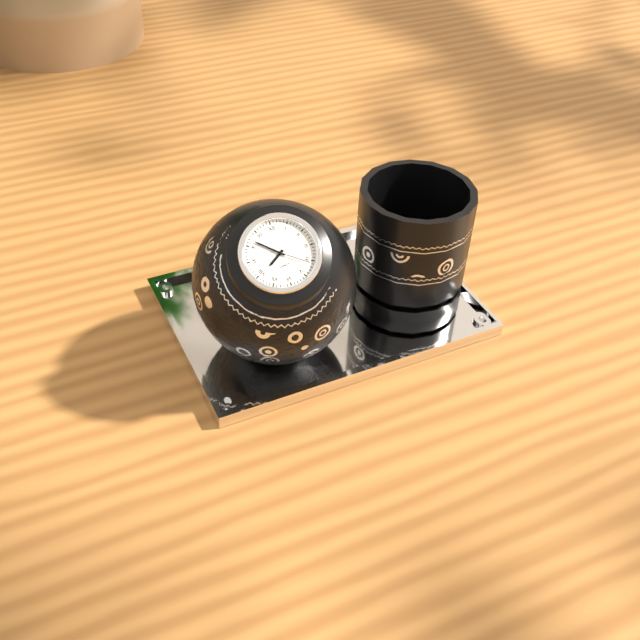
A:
7 h 52 min 21 s
